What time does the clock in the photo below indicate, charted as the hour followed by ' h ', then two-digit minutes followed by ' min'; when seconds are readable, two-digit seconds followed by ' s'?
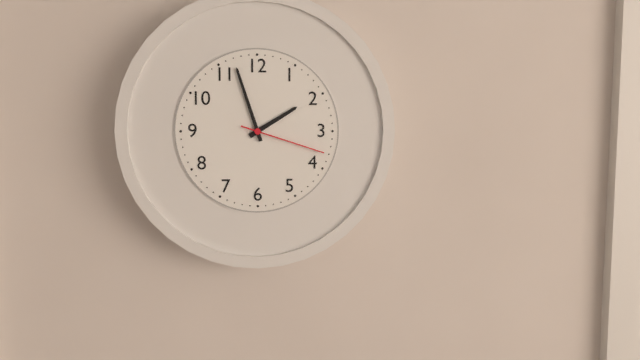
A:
1 h 57 min 18 s
